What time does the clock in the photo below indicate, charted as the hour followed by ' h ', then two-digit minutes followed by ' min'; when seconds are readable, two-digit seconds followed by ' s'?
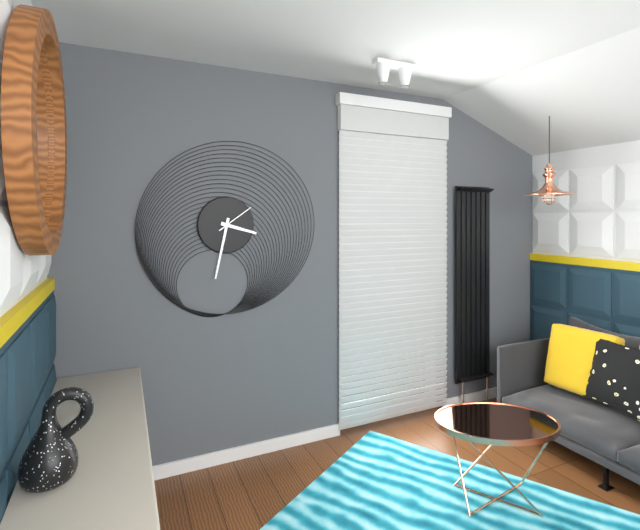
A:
3 h 32 min
